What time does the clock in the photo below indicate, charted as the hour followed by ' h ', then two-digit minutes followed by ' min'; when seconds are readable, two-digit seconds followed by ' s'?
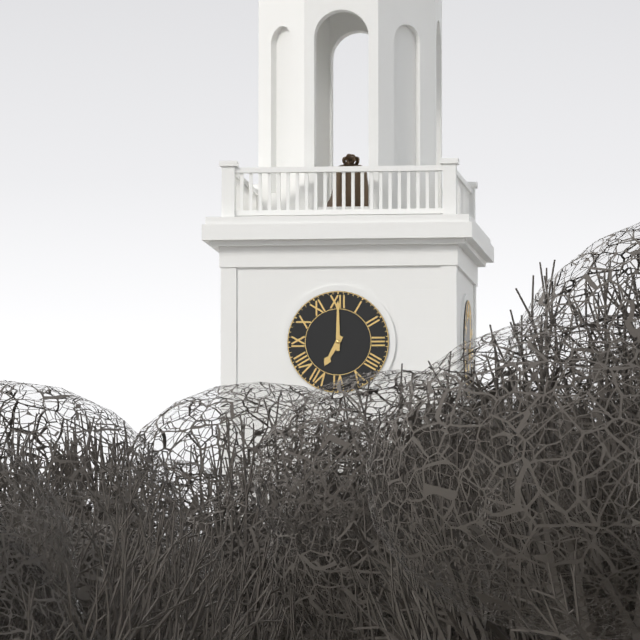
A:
7 h 00 min
